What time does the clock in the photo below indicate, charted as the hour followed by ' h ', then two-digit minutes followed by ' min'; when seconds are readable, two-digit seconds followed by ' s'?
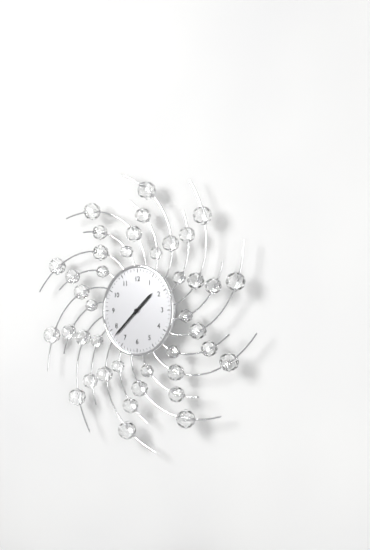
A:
1 h 38 min
